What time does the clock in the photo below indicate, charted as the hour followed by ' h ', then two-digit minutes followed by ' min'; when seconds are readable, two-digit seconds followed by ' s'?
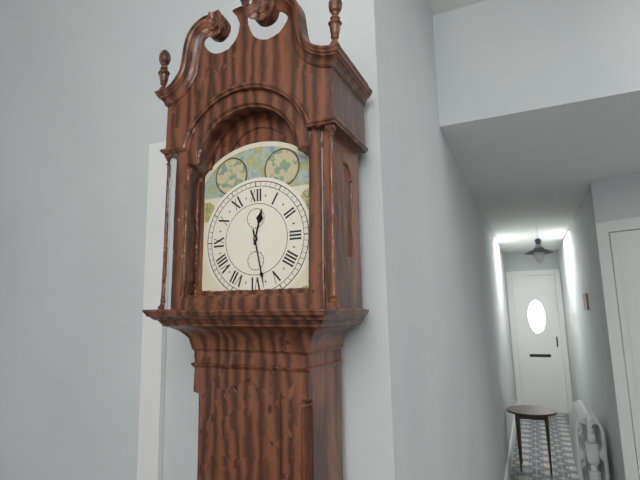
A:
12 h 28 min
